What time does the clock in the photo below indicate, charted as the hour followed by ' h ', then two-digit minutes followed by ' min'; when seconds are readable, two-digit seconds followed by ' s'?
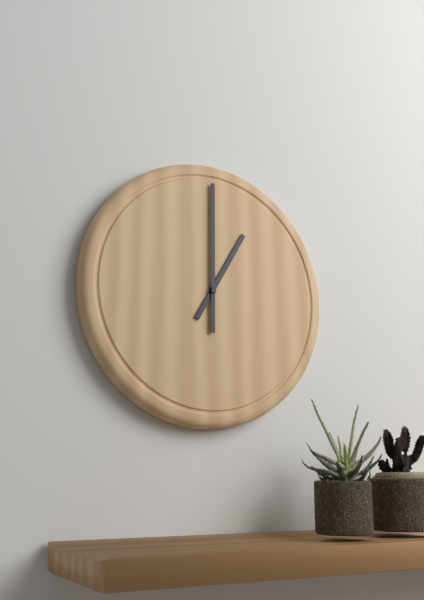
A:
1 h 00 min
